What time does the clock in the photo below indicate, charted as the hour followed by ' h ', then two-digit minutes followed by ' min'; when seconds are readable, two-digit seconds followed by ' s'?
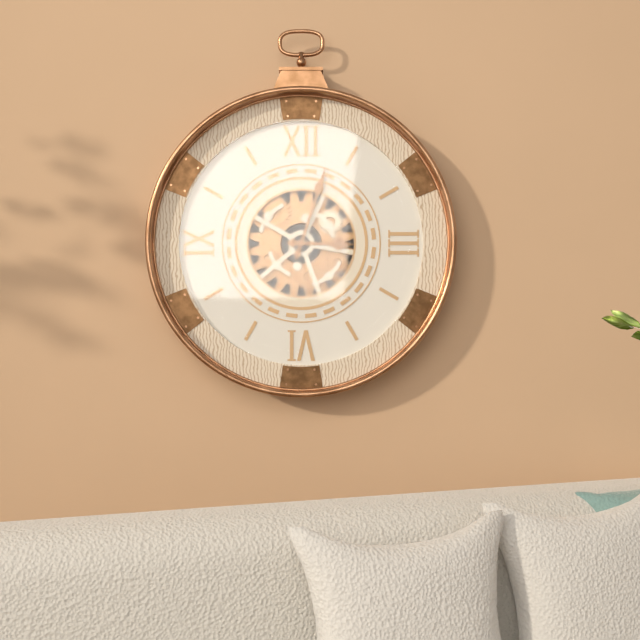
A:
3 h 03 min
